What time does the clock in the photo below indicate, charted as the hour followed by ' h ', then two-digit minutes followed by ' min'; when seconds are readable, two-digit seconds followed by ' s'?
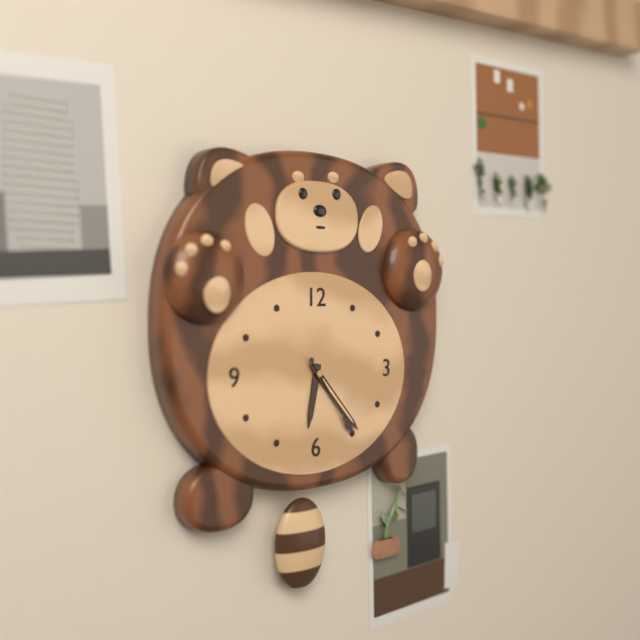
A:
6 h 23 min 24 s
